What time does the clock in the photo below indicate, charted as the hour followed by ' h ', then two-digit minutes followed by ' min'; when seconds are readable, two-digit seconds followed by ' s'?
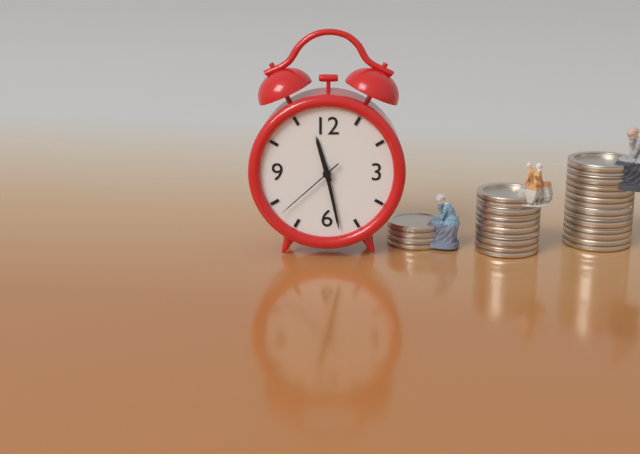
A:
11 h 28 min 38 s
